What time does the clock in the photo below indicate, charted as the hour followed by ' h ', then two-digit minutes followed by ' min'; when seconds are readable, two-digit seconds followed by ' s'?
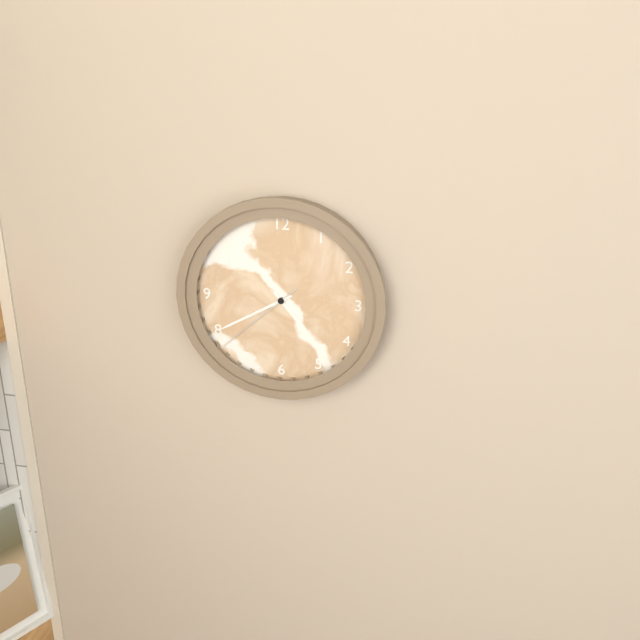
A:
4 h 40 min 38 s
